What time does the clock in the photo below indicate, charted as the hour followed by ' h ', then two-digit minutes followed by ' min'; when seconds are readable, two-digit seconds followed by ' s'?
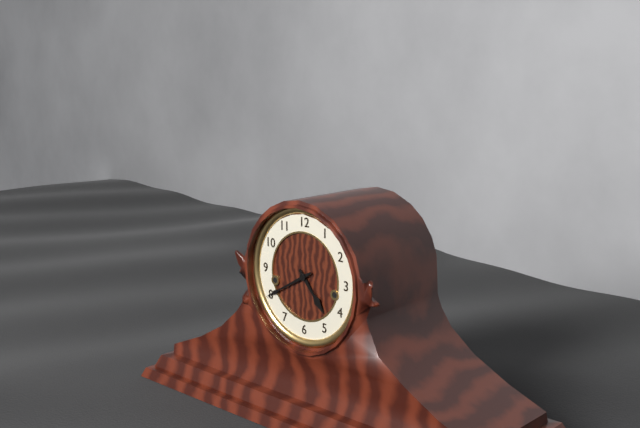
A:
4 h 40 min
